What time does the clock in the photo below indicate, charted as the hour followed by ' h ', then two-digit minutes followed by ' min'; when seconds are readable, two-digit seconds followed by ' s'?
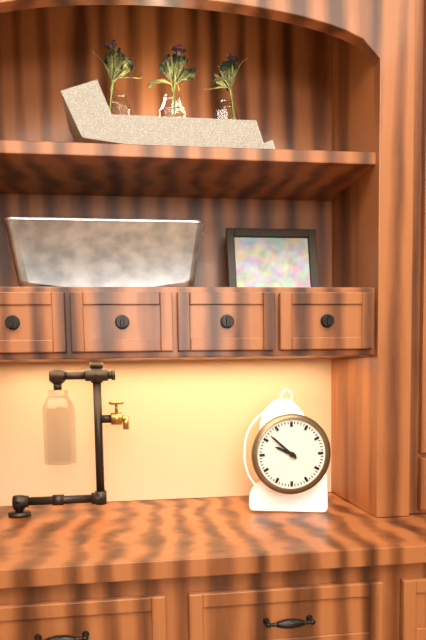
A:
9 h 52 min
